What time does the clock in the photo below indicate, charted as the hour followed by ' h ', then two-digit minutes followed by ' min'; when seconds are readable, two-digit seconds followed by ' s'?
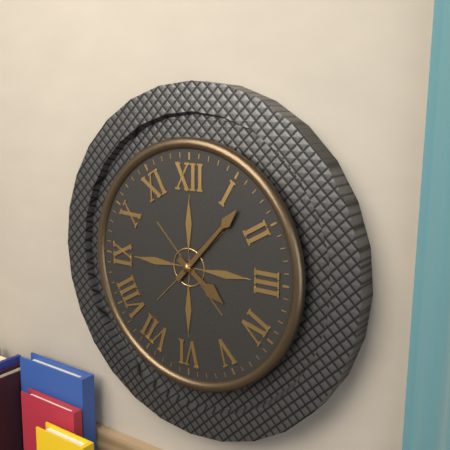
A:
4 h 07 min
